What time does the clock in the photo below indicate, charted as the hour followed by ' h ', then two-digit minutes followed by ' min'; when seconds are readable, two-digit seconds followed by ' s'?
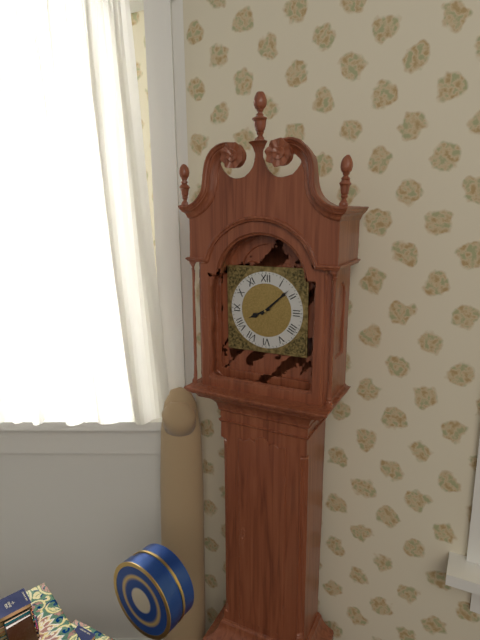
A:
8 h 08 min
